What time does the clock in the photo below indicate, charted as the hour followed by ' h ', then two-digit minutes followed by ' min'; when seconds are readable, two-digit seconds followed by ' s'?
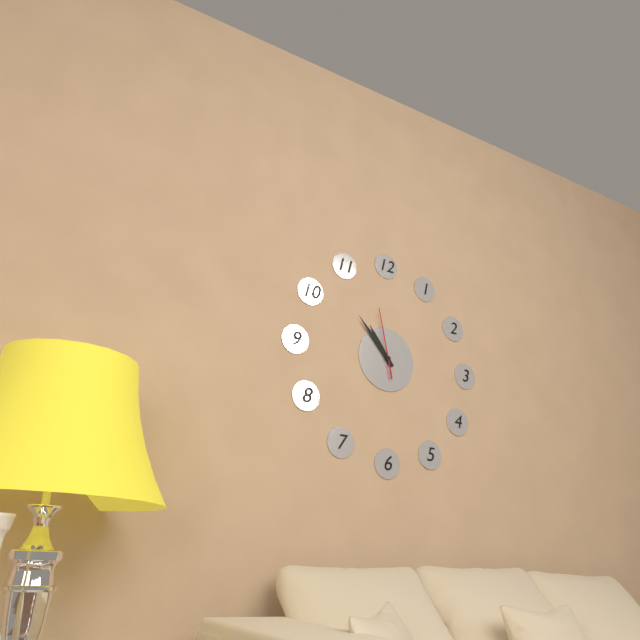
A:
10 h 53 min 58 s
